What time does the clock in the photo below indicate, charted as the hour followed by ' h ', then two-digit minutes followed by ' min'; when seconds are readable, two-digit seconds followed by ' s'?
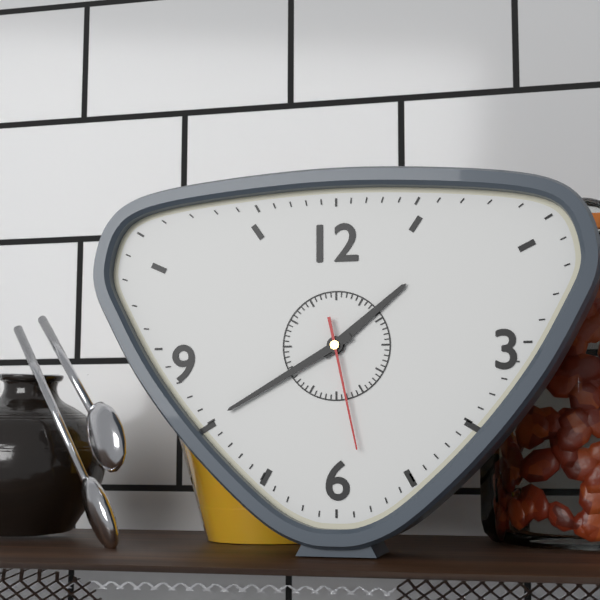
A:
1 h 40 min 28 s
